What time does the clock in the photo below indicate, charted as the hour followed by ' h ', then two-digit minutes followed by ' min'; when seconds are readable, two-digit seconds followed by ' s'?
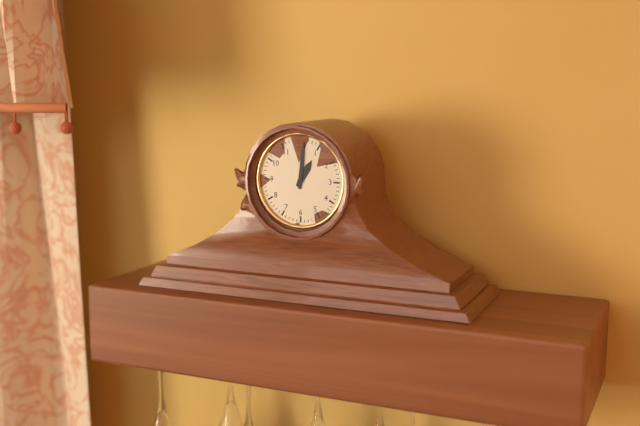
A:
1 h 01 min
